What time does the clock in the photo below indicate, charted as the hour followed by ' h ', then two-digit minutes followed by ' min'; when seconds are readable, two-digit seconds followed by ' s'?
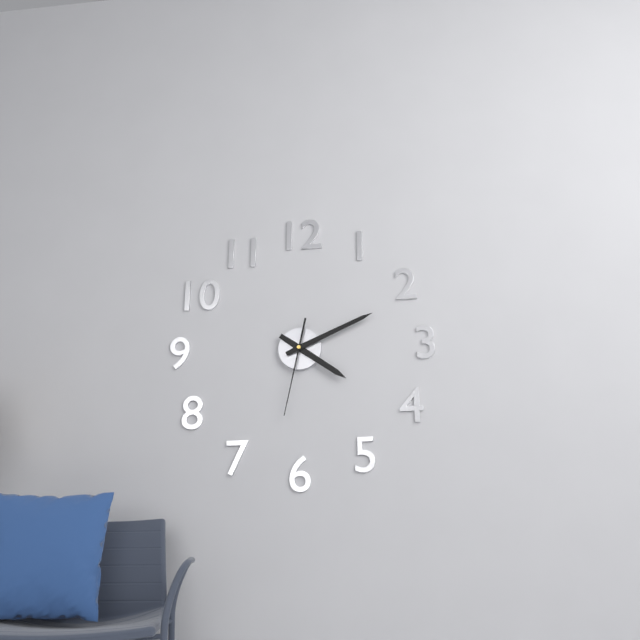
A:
4 h 11 min 32 s
